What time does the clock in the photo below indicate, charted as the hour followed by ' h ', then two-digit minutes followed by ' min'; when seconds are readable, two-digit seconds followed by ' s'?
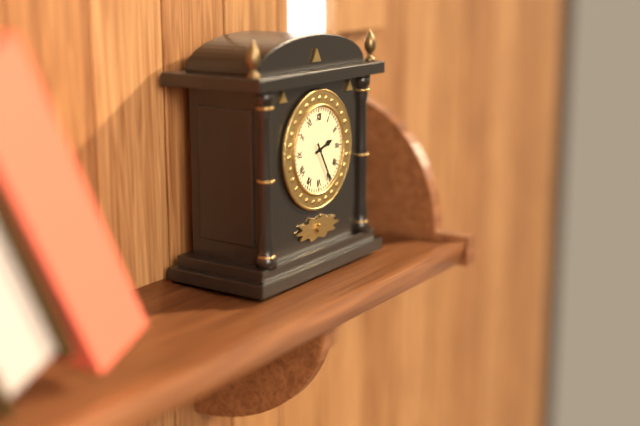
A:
2 h 25 min
